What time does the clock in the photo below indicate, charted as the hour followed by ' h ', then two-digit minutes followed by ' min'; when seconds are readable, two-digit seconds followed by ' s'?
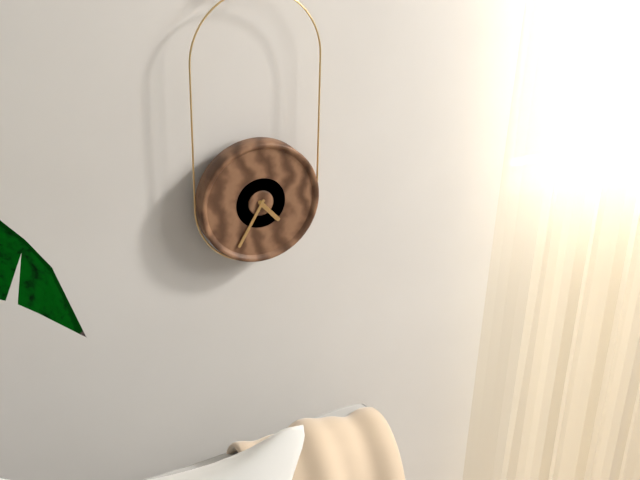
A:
4 h 35 min
